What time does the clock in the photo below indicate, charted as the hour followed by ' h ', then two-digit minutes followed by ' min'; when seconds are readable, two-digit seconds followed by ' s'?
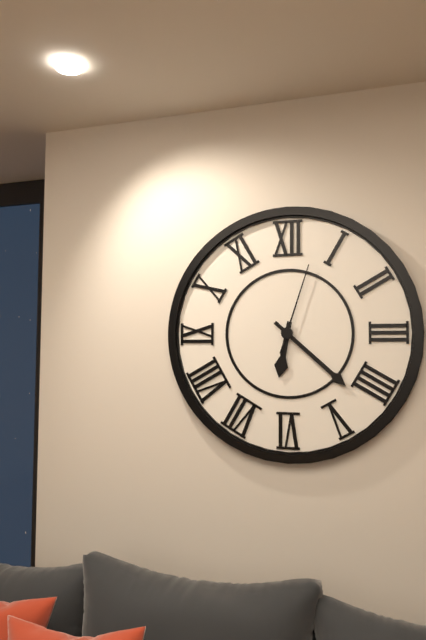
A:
6 h 22 min 03 s
